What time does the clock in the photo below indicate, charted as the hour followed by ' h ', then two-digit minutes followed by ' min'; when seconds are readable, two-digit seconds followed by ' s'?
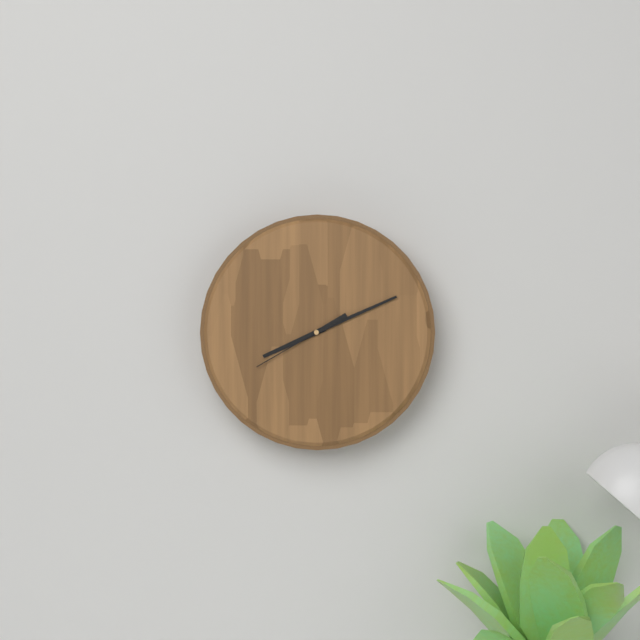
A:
8 h 11 min 40 s
